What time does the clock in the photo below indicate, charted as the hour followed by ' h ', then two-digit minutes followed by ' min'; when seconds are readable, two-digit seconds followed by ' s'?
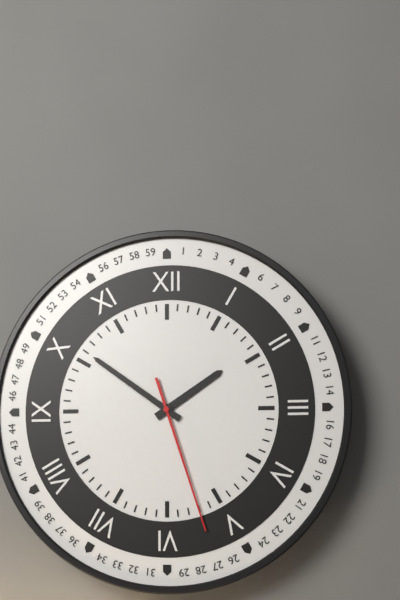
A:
1 h 51 min 27 s
